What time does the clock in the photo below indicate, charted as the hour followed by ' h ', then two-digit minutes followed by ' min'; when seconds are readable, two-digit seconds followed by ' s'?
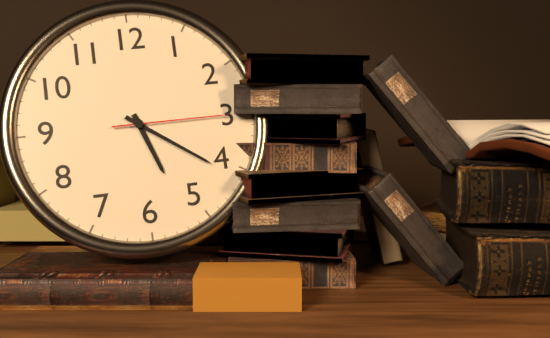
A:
5 h 21 min 15 s
